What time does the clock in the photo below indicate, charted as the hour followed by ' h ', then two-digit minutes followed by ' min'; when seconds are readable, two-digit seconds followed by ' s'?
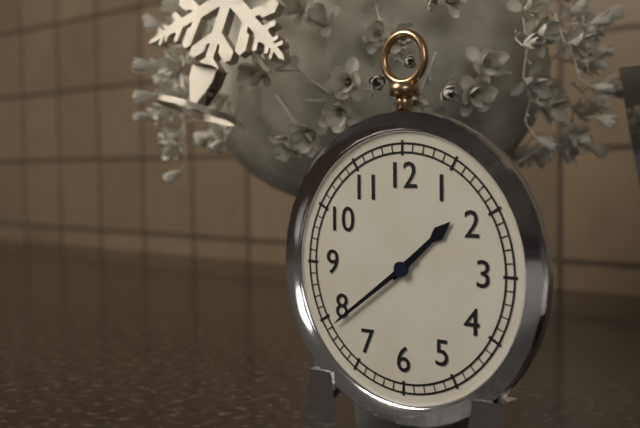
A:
1 h 39 min
